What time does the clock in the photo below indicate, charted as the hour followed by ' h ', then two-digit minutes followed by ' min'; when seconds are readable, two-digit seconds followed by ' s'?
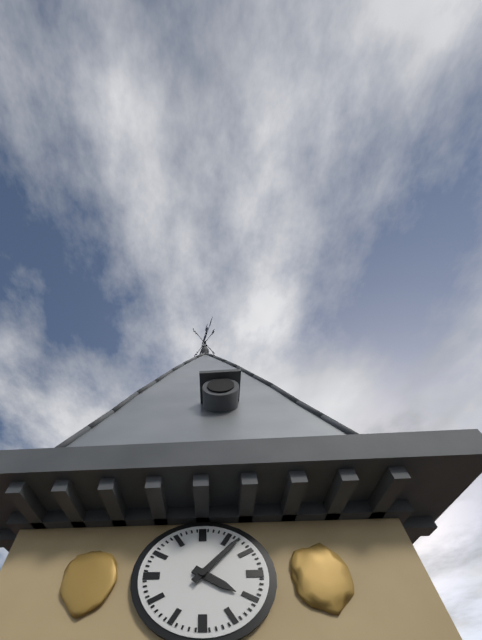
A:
4 h 07 min
